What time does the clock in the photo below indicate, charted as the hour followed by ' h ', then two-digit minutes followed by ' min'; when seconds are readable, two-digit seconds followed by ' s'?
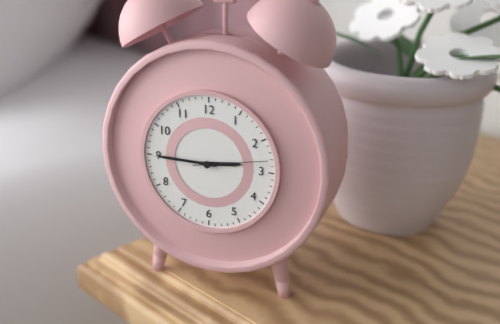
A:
2 h 45 min 13 s
